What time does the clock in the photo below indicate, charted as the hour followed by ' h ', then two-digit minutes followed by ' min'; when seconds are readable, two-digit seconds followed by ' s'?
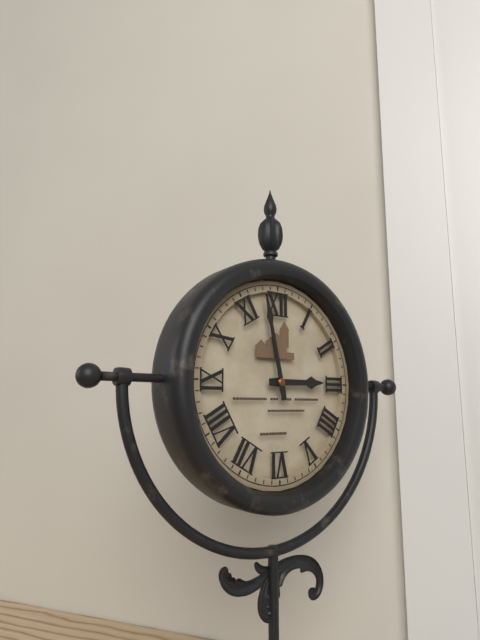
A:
2 h 58 min
